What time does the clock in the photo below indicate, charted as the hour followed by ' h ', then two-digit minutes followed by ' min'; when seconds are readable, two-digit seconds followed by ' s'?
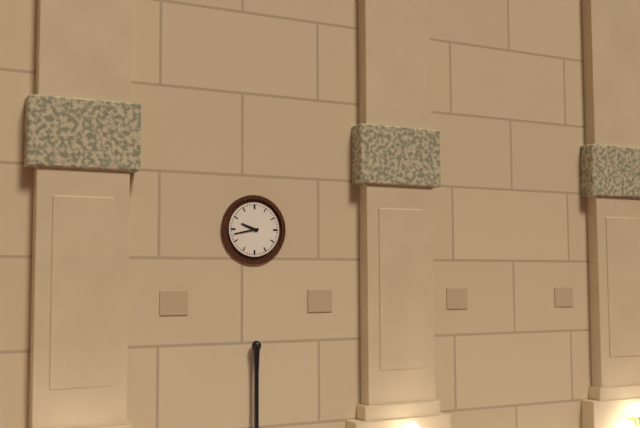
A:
9 h 43 min
